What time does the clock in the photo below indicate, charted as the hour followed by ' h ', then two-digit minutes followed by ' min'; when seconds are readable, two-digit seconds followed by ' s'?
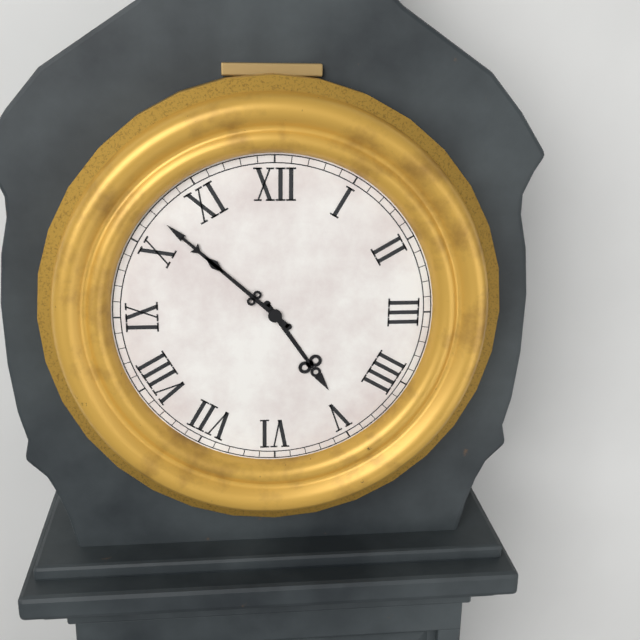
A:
4 h 52 min
